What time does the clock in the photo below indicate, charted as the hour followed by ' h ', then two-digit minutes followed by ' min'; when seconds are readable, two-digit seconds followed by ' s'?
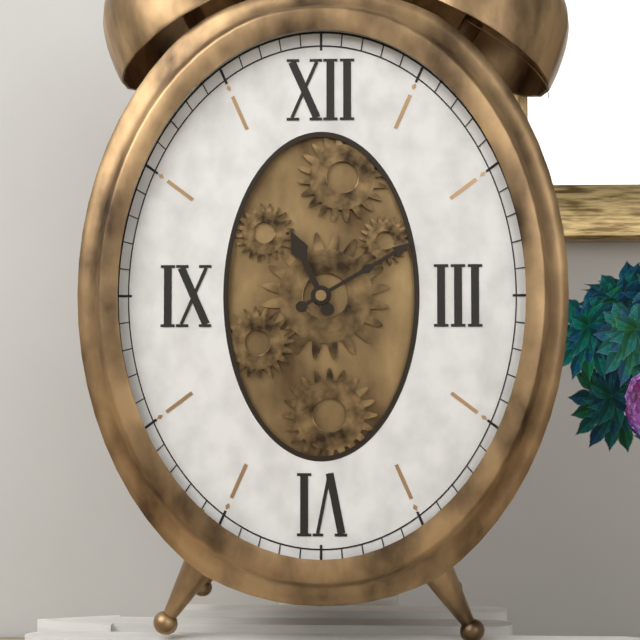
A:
11 h 10 min
